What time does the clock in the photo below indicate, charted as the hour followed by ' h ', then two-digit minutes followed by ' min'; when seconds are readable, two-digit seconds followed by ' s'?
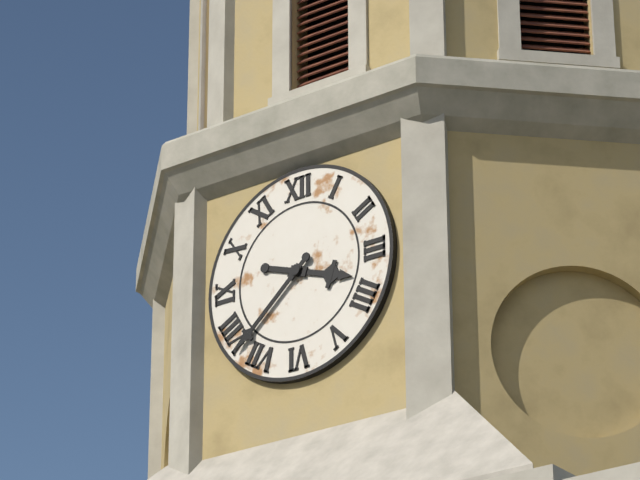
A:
3 h 38 min
